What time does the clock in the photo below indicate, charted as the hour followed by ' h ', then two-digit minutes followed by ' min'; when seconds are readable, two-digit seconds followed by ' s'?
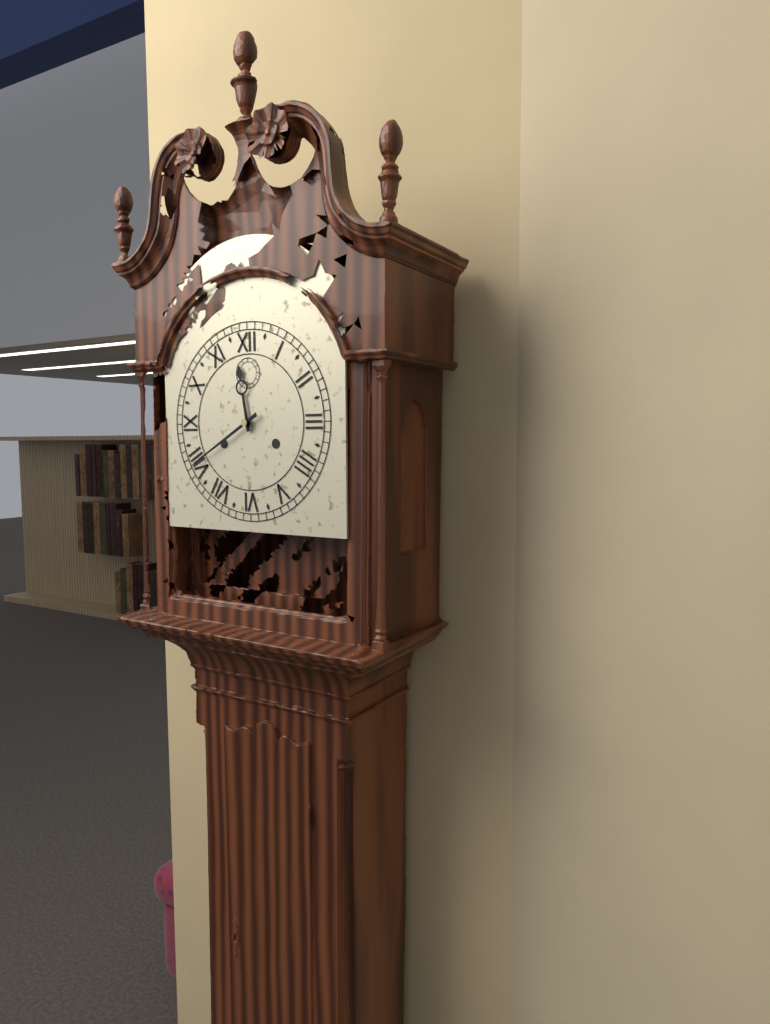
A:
11 h 40 min
